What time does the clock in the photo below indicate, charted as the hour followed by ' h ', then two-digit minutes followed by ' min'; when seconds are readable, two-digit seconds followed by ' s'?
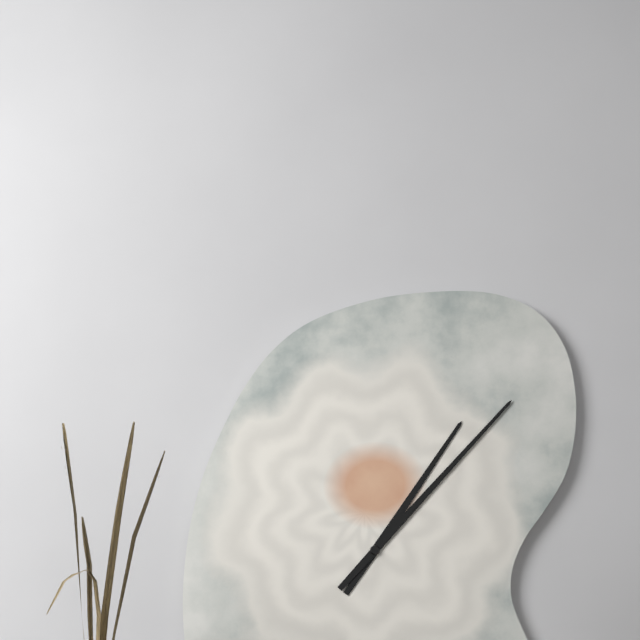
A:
1 h 07 min
